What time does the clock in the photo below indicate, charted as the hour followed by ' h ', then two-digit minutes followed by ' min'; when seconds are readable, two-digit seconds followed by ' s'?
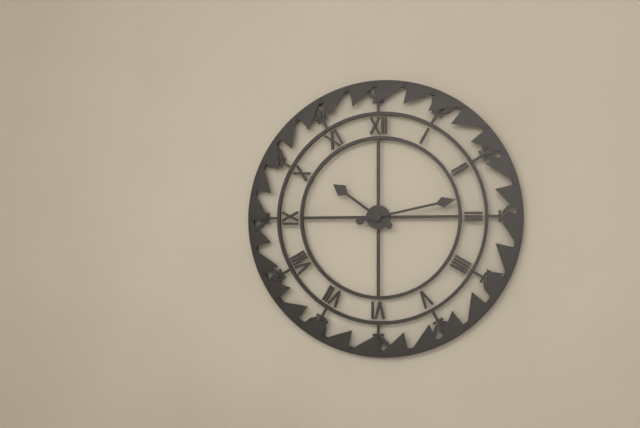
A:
10 h 13 min
